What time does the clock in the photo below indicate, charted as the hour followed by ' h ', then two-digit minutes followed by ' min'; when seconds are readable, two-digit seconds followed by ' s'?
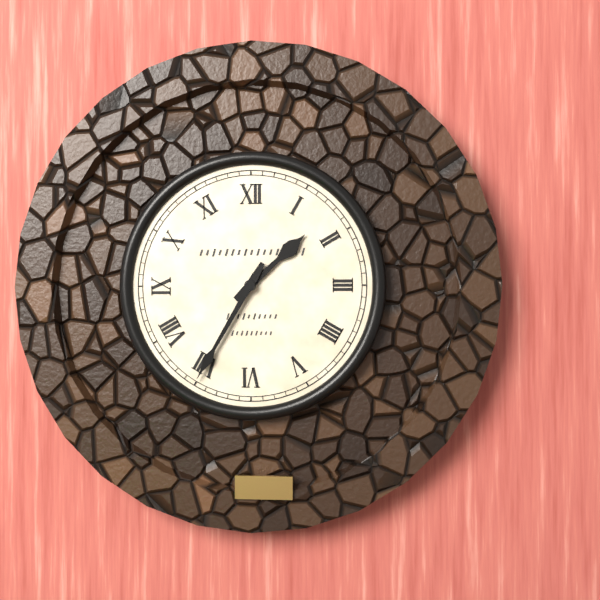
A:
1 h 35 min
